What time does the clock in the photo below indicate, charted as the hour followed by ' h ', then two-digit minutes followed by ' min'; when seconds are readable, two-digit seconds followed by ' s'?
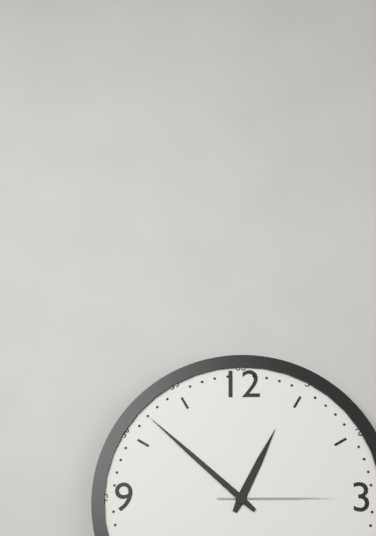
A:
12 h 52 min 15 s
